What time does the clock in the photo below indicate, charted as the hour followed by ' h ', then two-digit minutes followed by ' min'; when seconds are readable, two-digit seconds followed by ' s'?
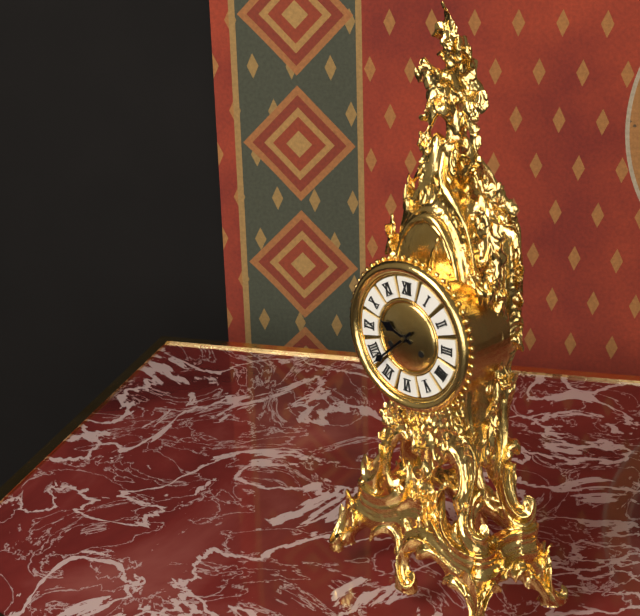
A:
9 h 38 min
